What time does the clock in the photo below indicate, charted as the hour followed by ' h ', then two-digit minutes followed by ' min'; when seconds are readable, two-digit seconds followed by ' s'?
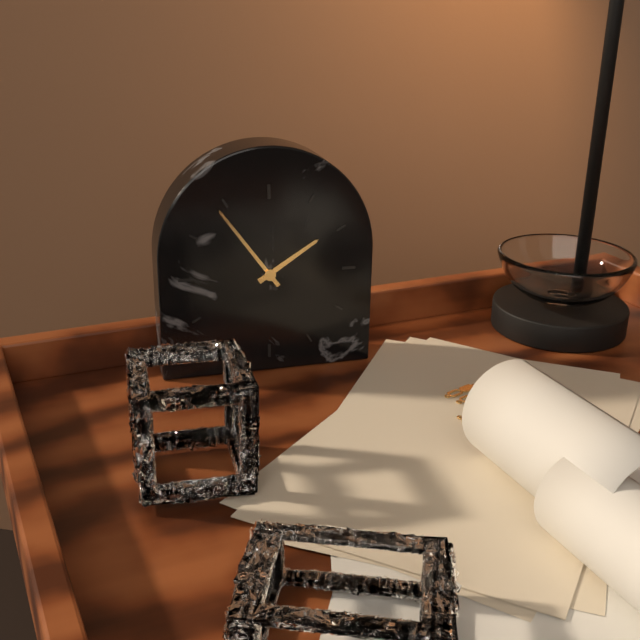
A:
1 h 54 min
